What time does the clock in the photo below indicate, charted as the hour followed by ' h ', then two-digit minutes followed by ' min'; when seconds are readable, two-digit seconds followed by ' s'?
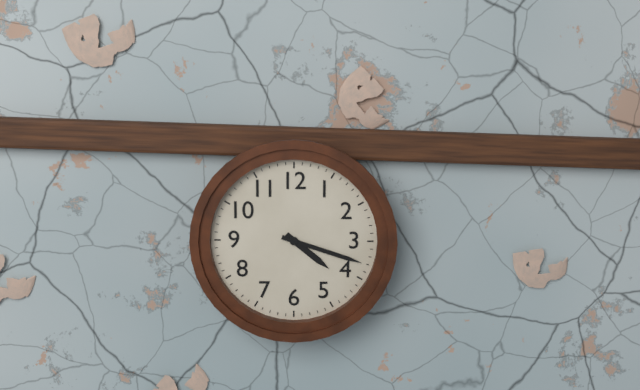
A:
4 h 18 min
